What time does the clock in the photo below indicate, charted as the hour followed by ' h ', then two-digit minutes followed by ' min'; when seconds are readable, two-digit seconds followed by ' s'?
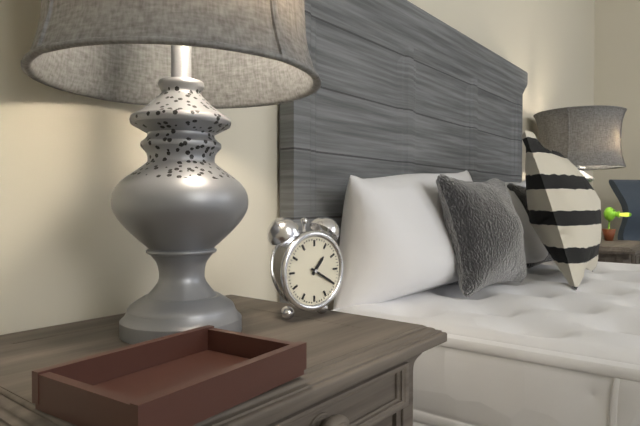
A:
1 h 20 min
